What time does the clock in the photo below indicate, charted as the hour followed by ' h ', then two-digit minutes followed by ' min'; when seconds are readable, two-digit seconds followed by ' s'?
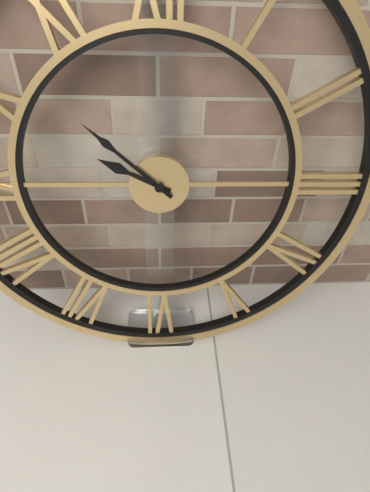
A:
9 h 52 min
